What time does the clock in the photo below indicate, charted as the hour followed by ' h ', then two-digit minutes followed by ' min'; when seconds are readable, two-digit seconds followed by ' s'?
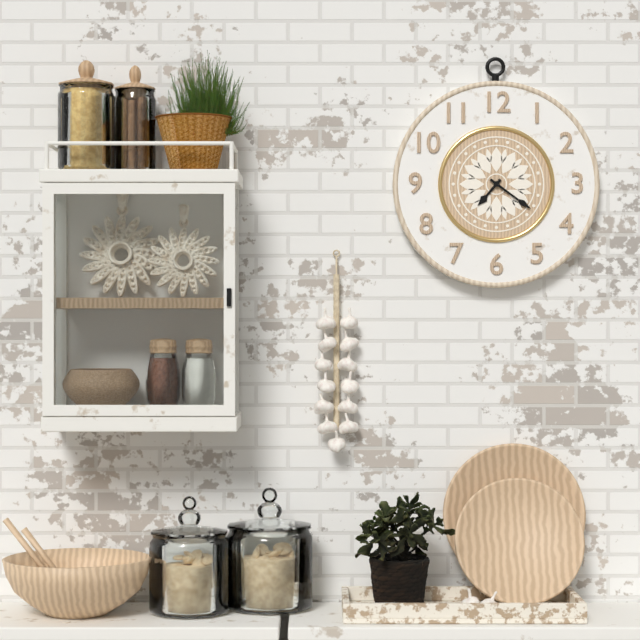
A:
7 h 21 min
